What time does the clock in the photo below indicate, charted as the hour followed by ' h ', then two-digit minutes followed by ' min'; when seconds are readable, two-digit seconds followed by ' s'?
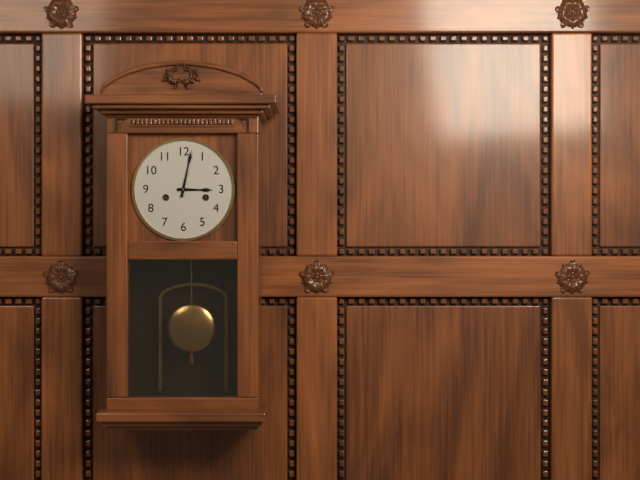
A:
3 h 02 min
